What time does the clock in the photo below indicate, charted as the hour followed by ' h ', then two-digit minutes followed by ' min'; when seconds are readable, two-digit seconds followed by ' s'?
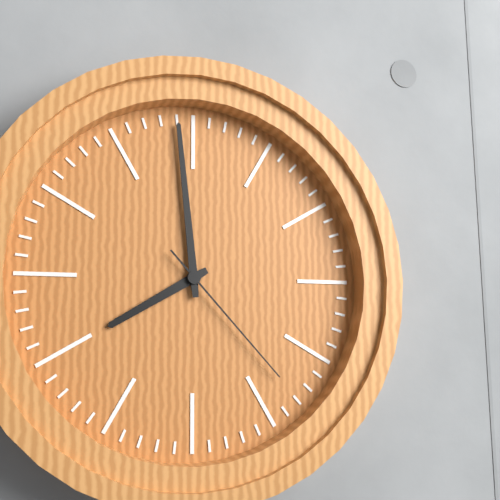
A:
7 h 59 min 23 s
